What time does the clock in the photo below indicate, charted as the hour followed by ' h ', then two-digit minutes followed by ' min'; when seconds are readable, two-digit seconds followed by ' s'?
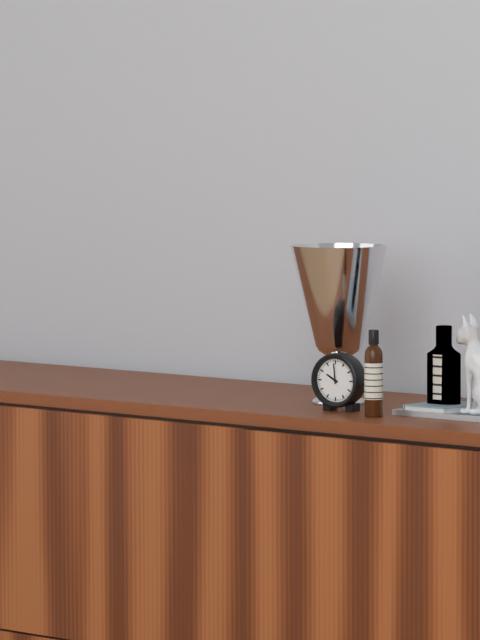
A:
9 h 59 min
